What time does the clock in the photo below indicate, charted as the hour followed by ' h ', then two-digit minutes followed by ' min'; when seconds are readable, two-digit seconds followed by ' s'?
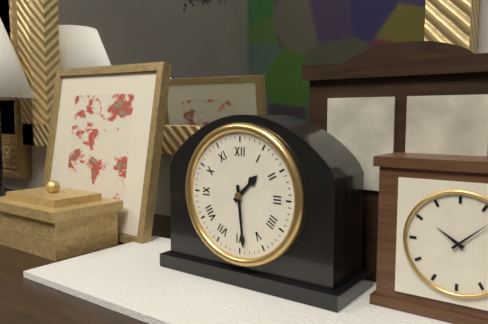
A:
1 h 29 min
